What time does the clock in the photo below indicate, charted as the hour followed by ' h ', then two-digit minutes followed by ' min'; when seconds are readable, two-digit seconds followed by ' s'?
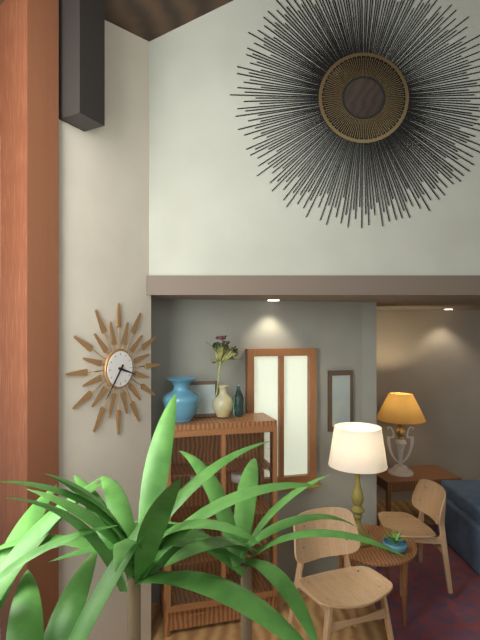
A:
3 h 36 min
